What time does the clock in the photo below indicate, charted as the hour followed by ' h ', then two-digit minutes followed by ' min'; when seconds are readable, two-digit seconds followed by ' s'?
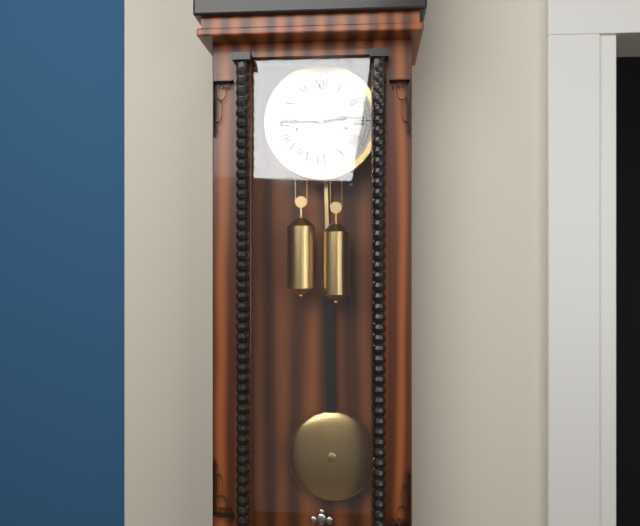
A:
2 h 45 min
